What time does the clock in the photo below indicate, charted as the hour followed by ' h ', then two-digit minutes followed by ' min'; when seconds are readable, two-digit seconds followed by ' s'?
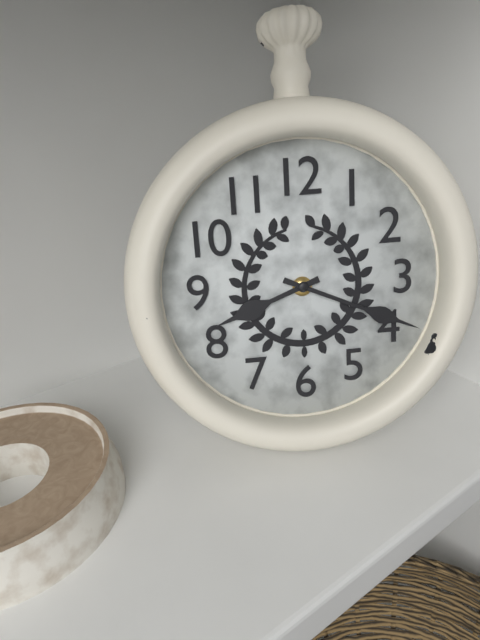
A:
8 h 19 min
